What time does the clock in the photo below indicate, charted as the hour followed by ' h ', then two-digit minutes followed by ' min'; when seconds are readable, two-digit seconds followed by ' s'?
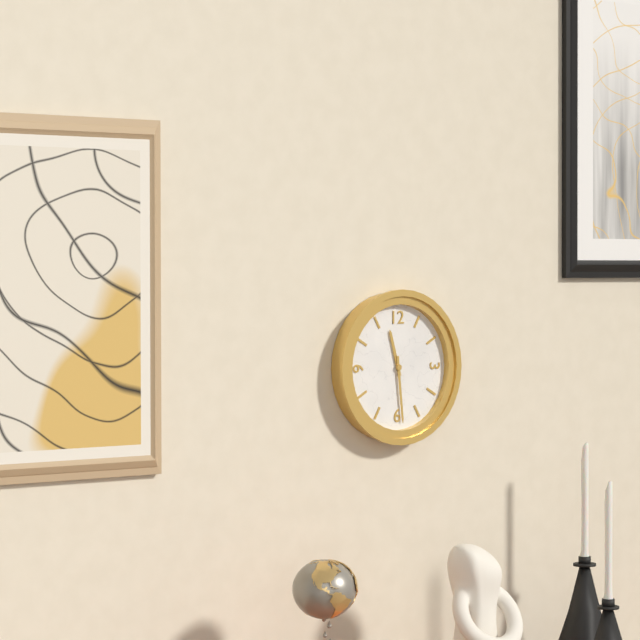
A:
11 h 29 min
